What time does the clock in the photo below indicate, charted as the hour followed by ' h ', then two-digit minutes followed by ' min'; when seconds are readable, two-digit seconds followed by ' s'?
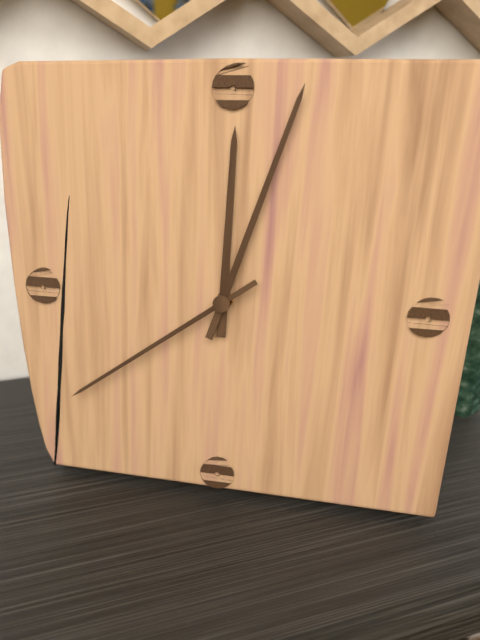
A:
12 h 03 min 39 s
